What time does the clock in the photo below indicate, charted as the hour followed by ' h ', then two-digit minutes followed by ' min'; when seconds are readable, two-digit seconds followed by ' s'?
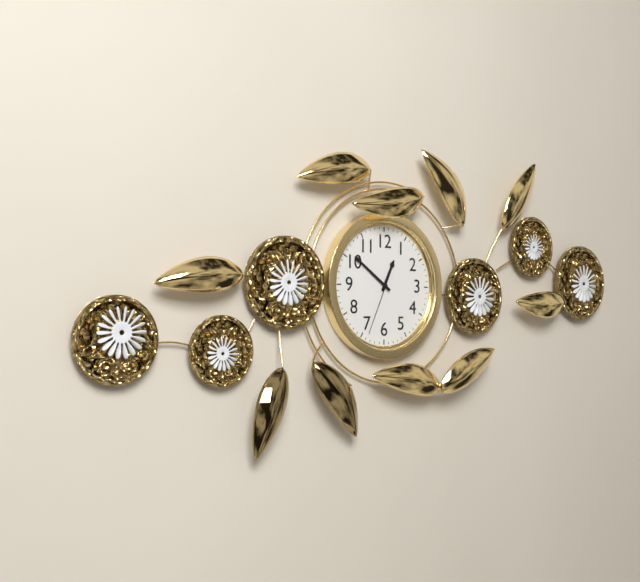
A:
12 h 51 min 34 s
